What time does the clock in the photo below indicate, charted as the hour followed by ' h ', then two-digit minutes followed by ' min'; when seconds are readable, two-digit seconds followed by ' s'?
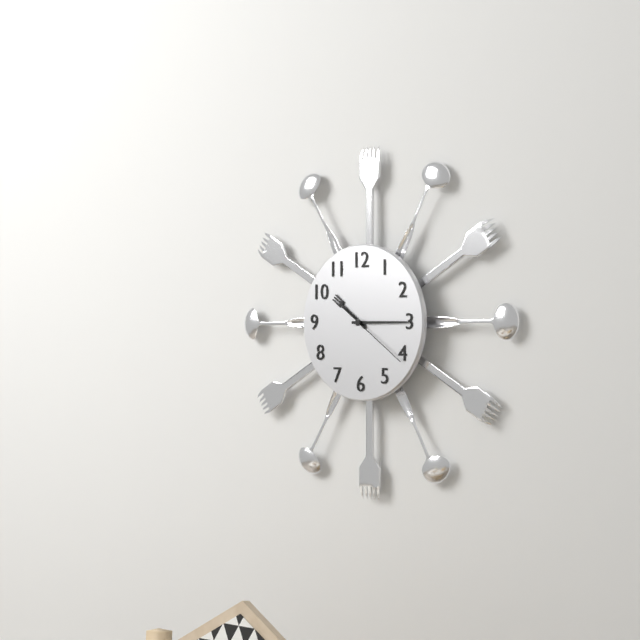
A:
10 h 15 min 21 s
